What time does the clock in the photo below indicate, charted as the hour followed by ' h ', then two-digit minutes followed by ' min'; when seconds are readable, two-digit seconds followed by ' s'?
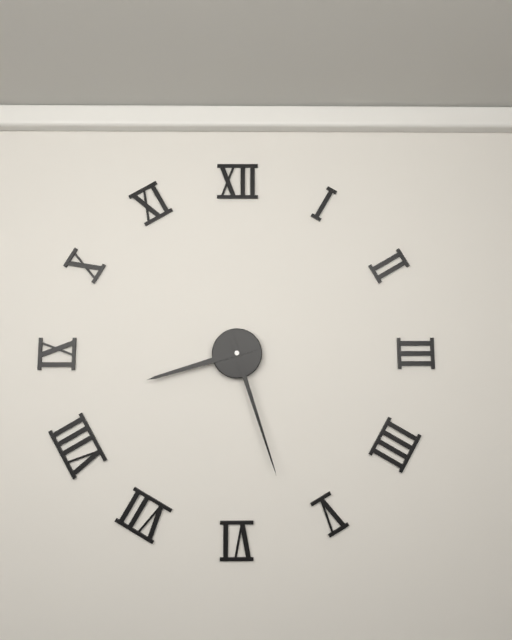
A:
8 h 27 min
